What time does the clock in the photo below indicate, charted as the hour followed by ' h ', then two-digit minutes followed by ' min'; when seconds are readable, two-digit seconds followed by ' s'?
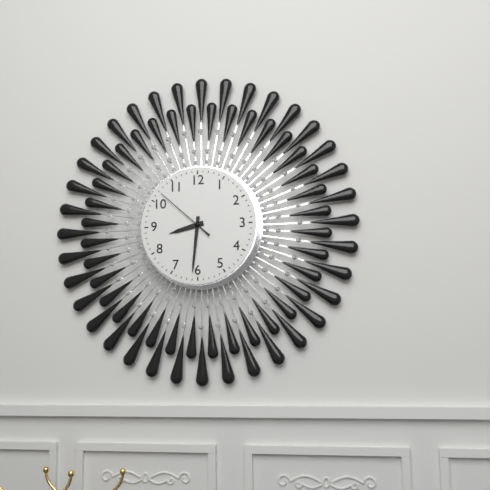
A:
8 h 31 min 52 s
